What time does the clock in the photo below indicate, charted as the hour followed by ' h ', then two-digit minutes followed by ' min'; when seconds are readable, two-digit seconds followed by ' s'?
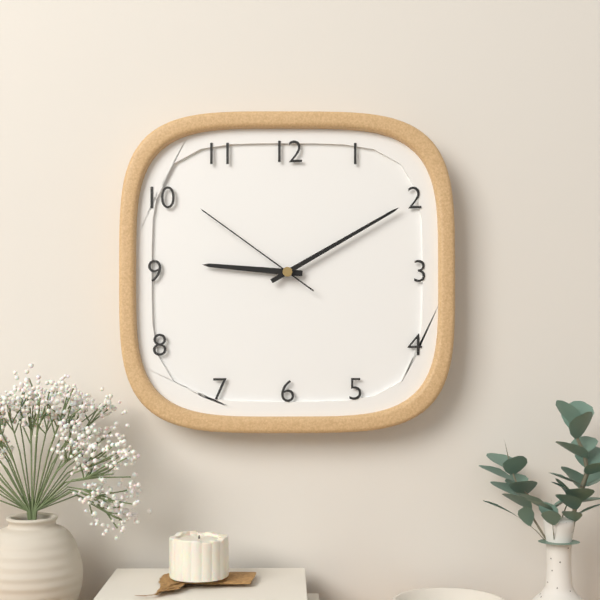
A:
9 h 10 min 51 s
